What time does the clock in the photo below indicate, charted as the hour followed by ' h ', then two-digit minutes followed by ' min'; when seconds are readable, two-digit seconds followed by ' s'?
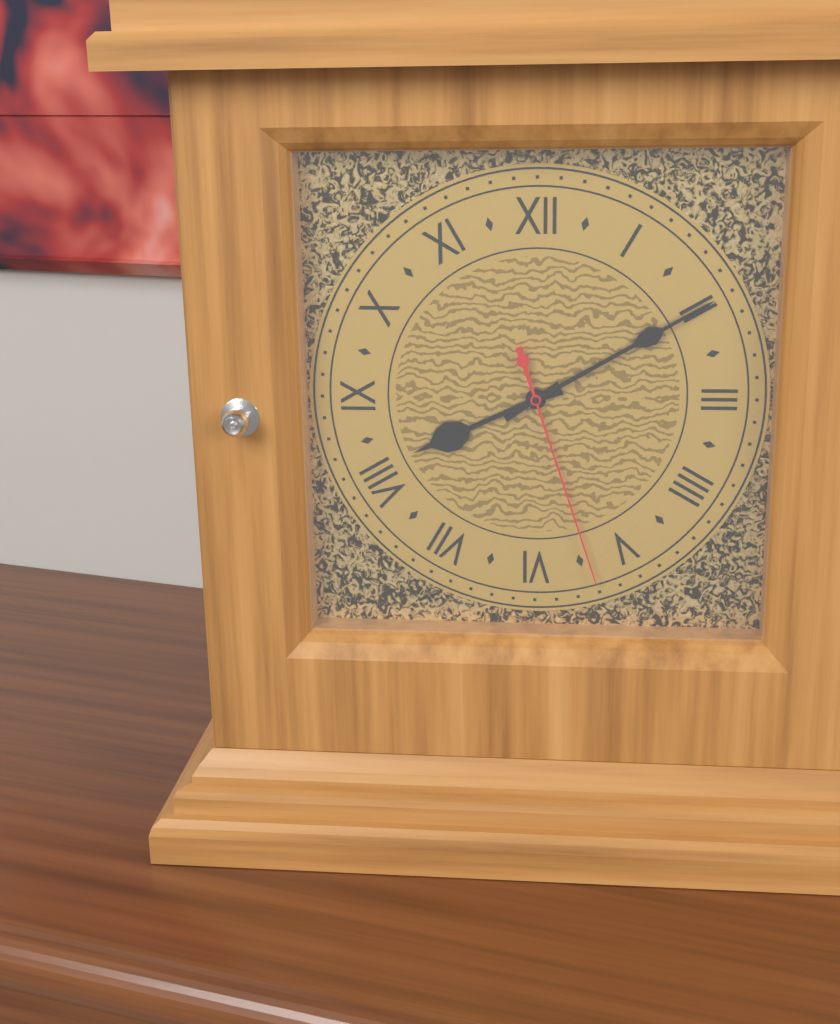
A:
8 h 10 min 27 s
